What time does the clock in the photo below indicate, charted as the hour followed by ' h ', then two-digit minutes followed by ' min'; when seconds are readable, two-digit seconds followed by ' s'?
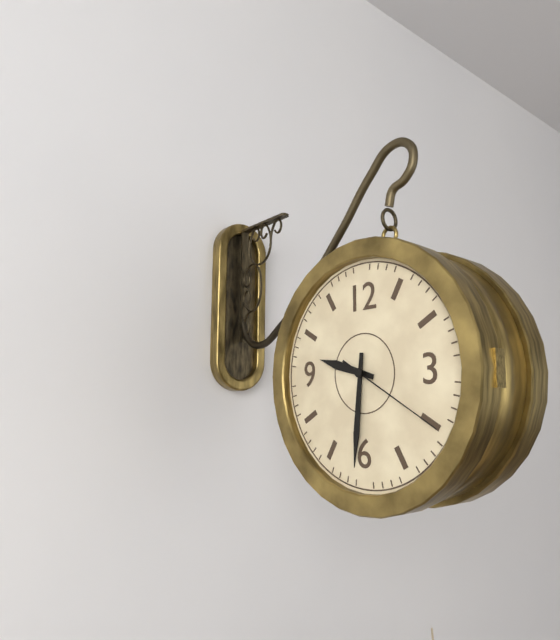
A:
9 h 31 min 20 s
